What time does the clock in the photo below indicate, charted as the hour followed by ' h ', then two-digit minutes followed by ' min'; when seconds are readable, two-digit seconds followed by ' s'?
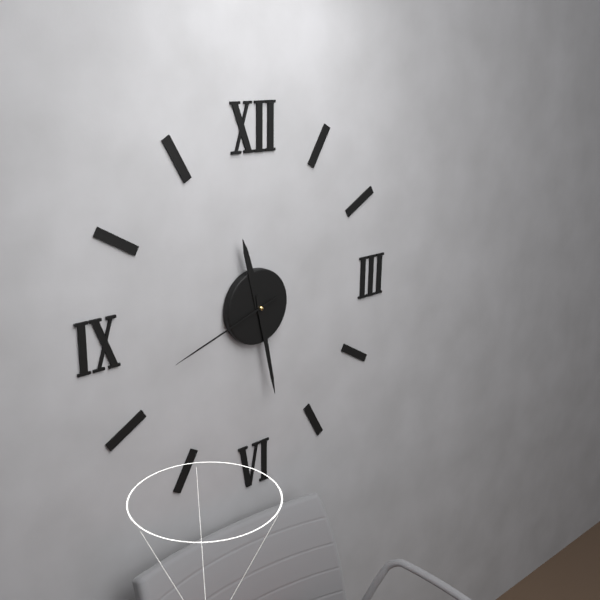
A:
11 h 28 min 42 s
